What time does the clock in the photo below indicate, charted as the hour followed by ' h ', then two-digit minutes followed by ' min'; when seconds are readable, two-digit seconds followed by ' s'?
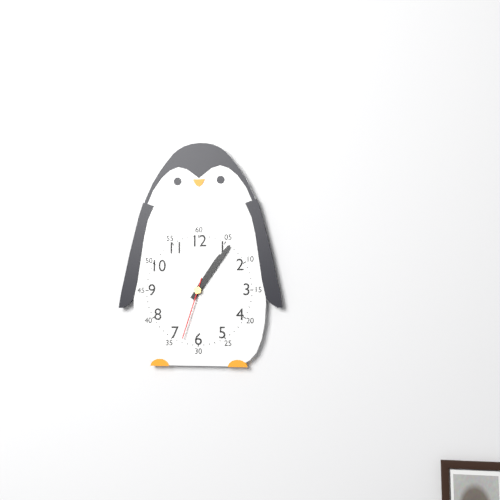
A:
1 h 06 min 33 s
